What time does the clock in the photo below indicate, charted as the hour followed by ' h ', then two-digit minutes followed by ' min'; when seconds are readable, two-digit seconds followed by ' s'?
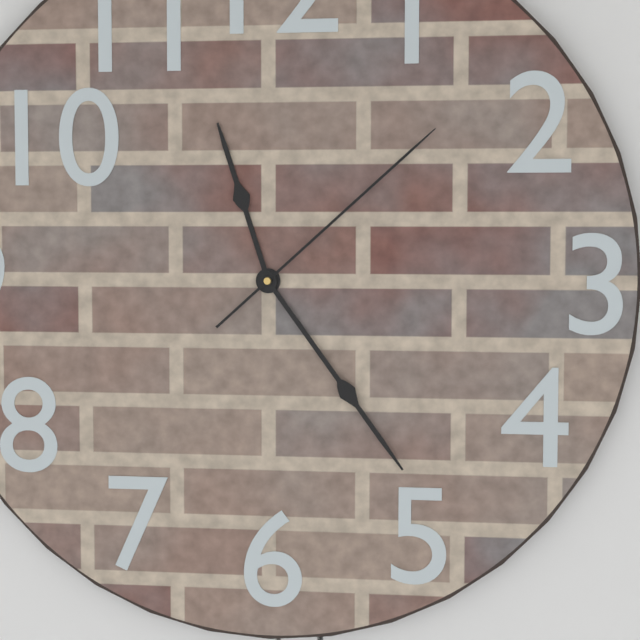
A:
11 h 24 min 08 s
